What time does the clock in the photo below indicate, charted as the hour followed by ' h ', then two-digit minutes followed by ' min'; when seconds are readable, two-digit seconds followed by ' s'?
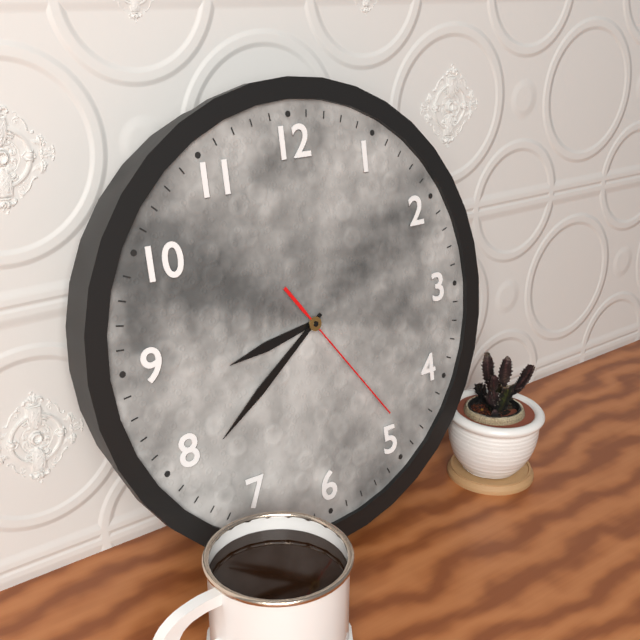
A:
8 h 39 min 24 s
